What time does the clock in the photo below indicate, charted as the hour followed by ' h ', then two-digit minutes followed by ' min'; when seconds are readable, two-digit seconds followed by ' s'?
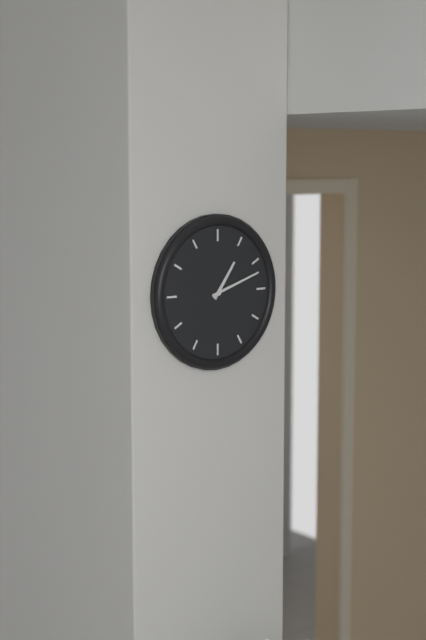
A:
1 h 12 min
